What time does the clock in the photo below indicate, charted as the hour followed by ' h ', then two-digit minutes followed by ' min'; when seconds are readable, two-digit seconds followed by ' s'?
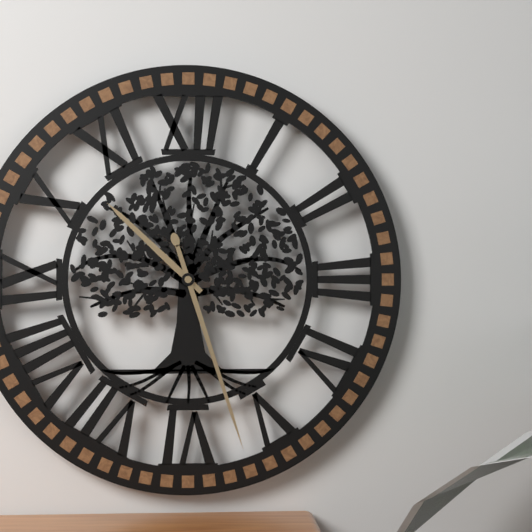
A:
10 h 27 min
